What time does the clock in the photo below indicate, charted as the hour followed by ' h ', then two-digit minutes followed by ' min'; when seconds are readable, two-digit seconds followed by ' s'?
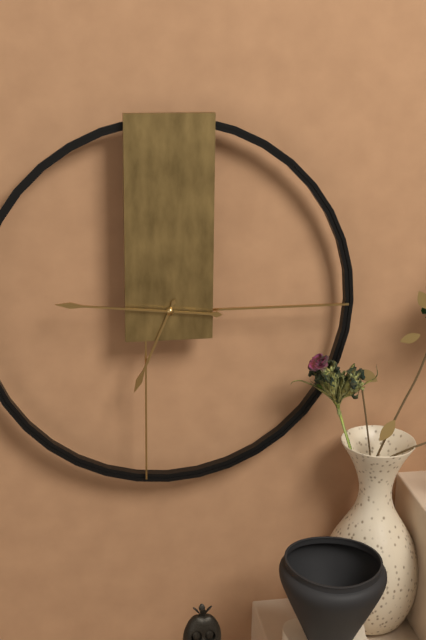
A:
6 h 46 min
